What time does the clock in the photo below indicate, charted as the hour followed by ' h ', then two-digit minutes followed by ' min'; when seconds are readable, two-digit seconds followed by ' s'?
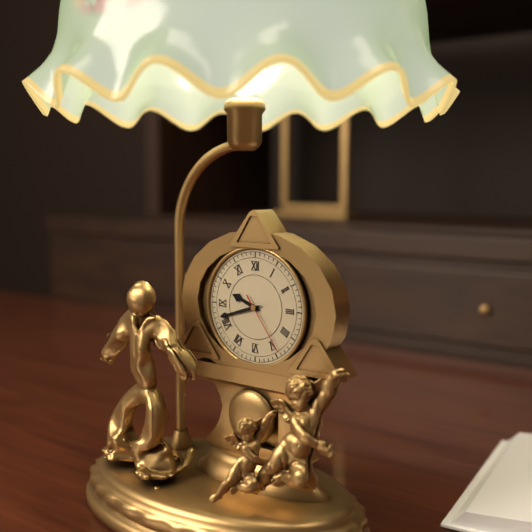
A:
9 h 42 min 24 s
